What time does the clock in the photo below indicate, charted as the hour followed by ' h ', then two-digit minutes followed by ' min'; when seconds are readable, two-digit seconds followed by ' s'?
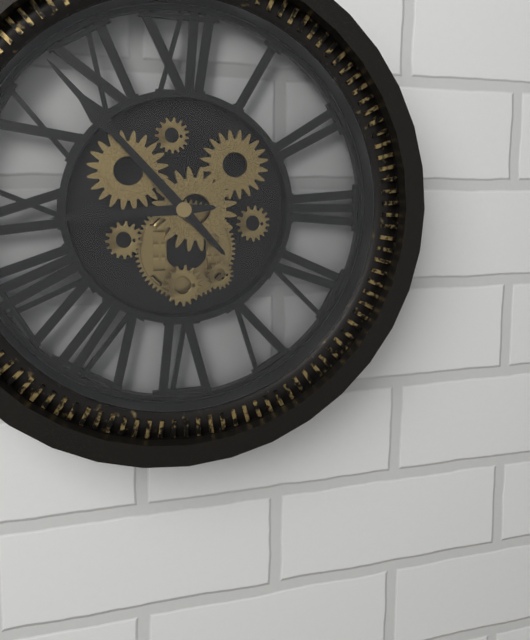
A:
8 h 53 min
